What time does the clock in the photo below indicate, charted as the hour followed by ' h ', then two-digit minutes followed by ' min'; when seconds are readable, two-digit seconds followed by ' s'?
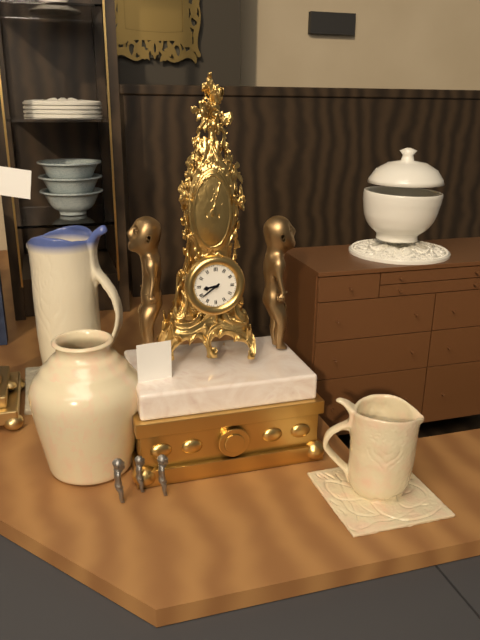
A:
8 h 39 min
